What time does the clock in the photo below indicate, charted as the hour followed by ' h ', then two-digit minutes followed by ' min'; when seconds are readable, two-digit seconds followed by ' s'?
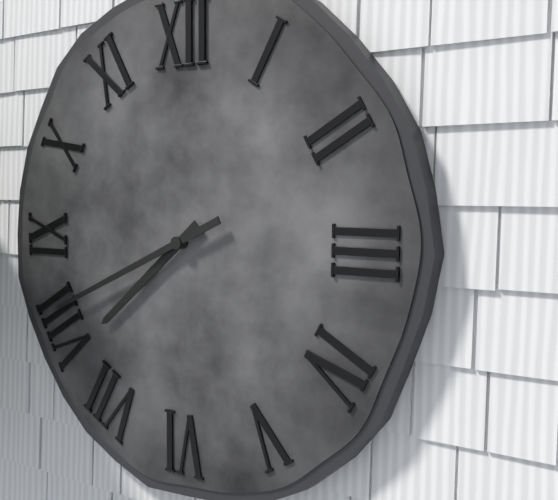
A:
7 h 41 min
